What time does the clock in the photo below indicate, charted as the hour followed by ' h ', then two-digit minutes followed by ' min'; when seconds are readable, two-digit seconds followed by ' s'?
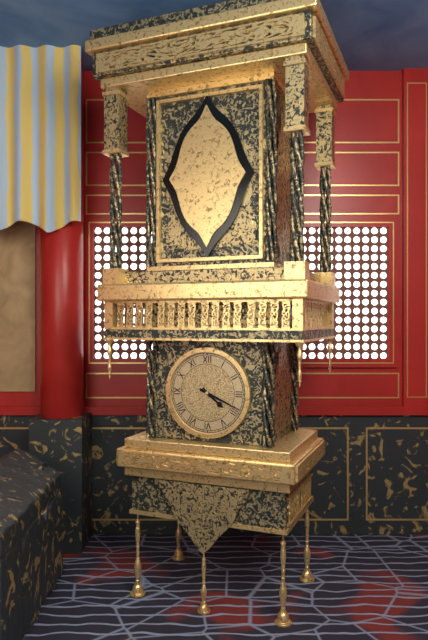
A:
4 h 19 min
